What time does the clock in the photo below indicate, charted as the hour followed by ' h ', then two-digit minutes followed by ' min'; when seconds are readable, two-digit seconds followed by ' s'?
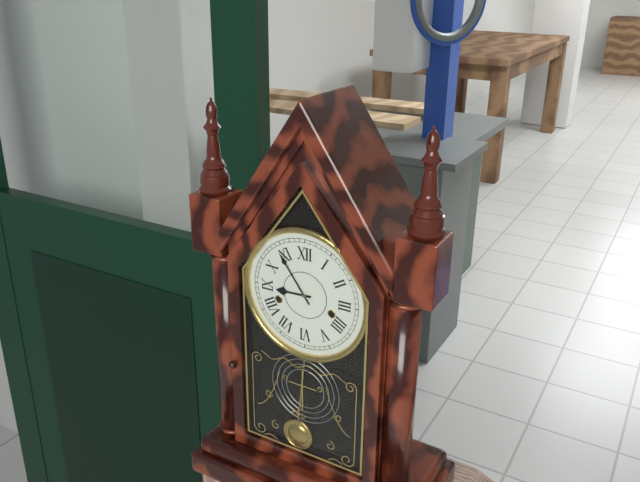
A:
8 h 54 min
